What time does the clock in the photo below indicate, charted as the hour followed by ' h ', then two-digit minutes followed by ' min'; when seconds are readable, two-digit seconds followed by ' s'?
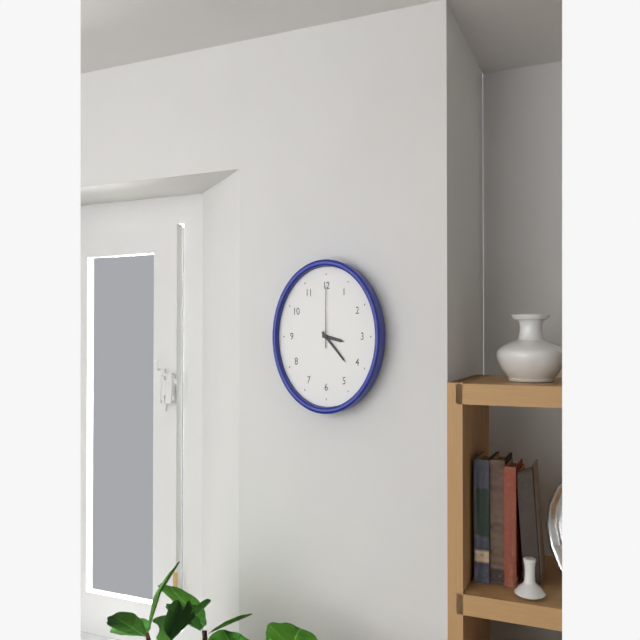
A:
3 h 22 min 00 s
